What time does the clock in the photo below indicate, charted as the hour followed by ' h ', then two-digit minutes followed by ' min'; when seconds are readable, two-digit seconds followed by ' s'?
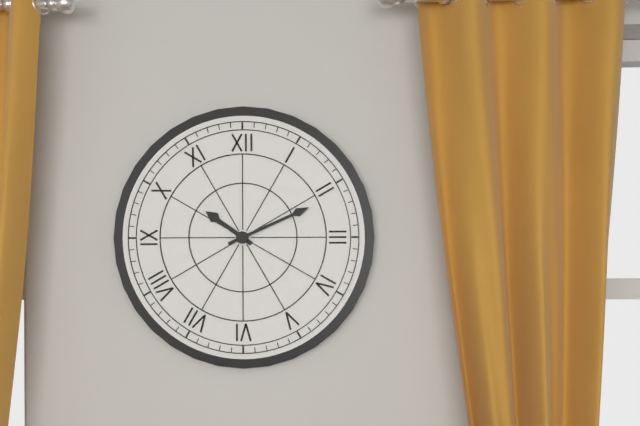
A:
10 h 11 min
